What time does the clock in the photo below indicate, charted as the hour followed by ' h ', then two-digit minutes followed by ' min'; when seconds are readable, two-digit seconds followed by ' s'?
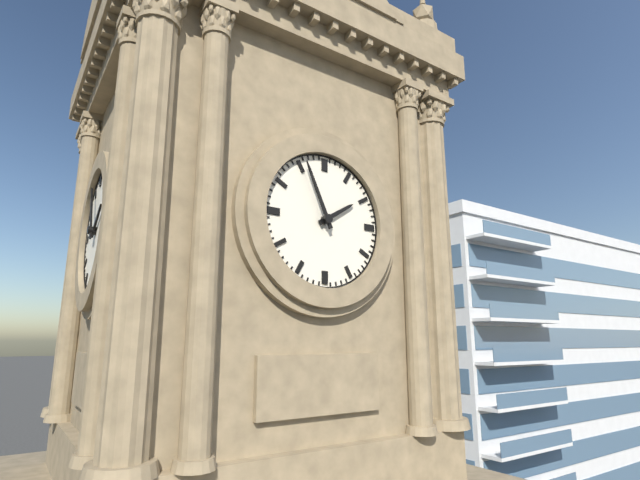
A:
1 h 56 min
